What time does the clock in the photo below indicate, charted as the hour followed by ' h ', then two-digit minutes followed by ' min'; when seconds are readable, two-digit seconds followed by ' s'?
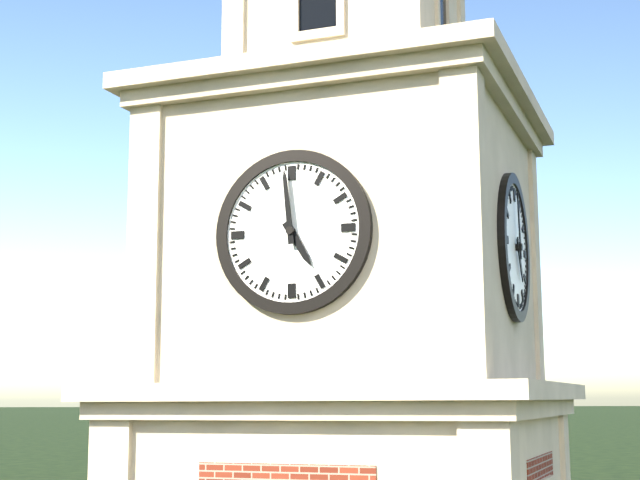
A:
4 h 59 min
